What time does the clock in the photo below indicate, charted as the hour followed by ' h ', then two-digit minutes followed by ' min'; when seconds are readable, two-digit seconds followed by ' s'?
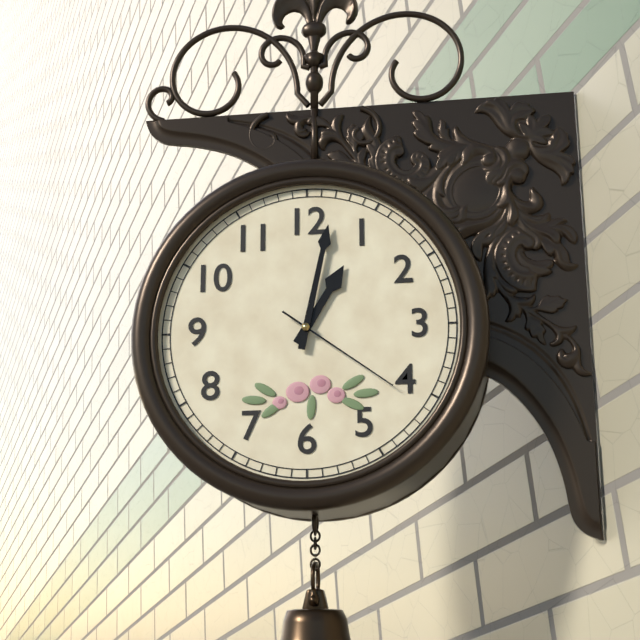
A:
1 h 02 min 21 s
